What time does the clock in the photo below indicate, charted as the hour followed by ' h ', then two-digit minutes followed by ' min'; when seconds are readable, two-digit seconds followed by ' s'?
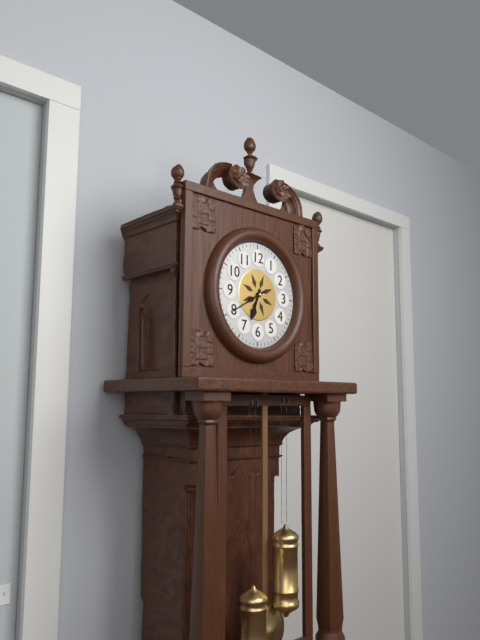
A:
6 h 40 min
